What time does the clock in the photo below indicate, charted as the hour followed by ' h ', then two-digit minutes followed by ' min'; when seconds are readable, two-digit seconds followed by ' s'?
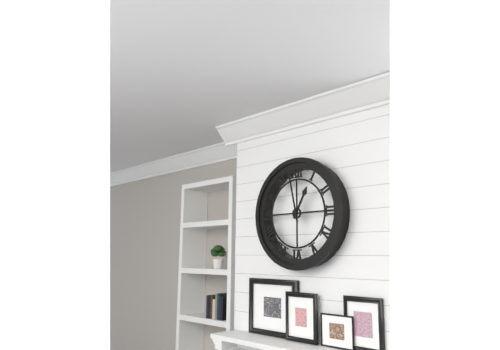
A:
12 h 58 min
